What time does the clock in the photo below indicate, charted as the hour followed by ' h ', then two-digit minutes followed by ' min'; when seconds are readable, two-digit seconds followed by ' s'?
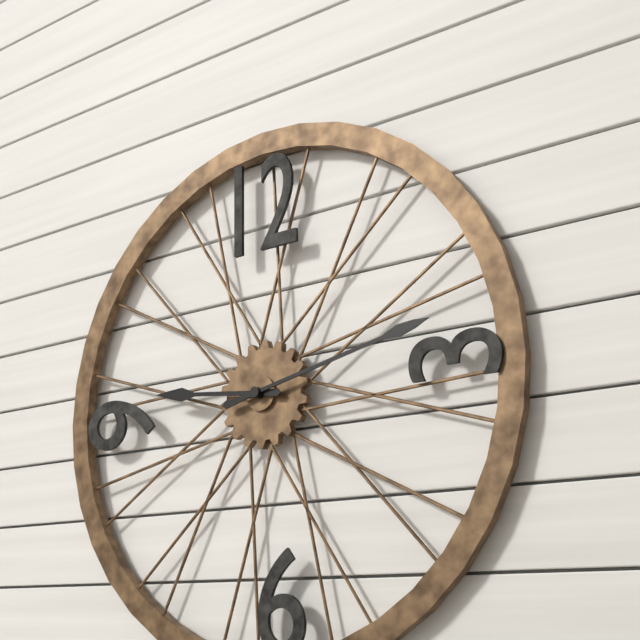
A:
9 h 13 min
